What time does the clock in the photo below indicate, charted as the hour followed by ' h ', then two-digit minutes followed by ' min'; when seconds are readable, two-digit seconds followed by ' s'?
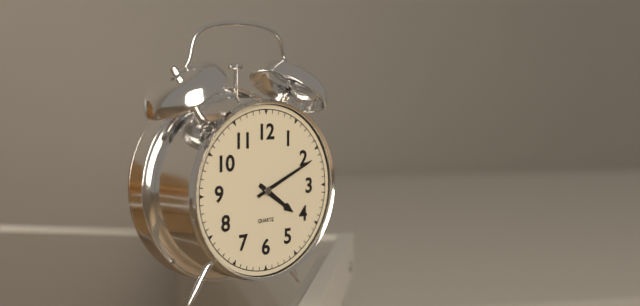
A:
4 h 11 min
